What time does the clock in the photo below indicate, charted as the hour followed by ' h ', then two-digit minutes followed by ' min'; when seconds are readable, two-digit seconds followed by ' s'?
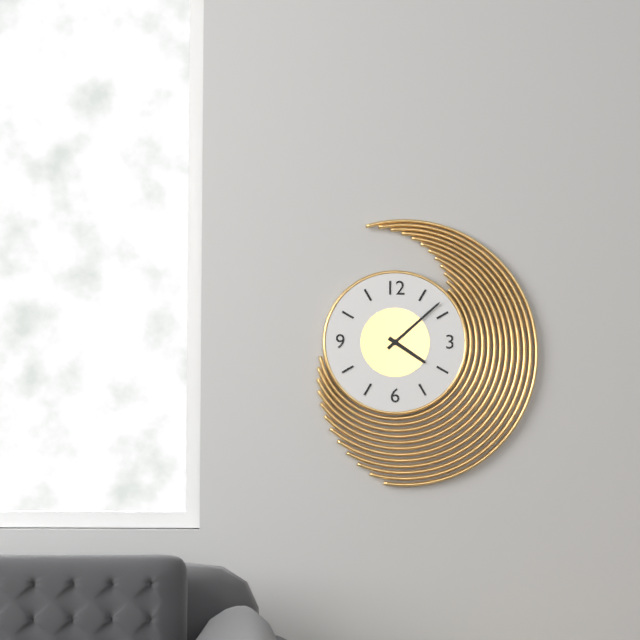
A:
4 h 08 min
